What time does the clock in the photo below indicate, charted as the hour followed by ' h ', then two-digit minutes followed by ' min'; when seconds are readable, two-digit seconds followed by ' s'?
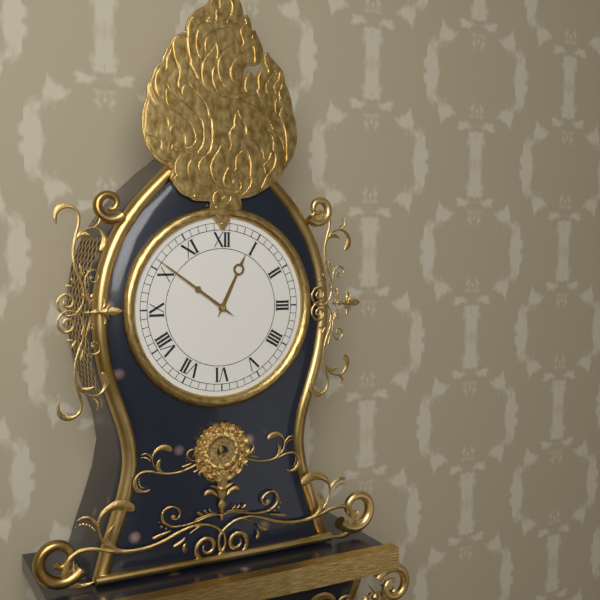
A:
12 h 51 min
